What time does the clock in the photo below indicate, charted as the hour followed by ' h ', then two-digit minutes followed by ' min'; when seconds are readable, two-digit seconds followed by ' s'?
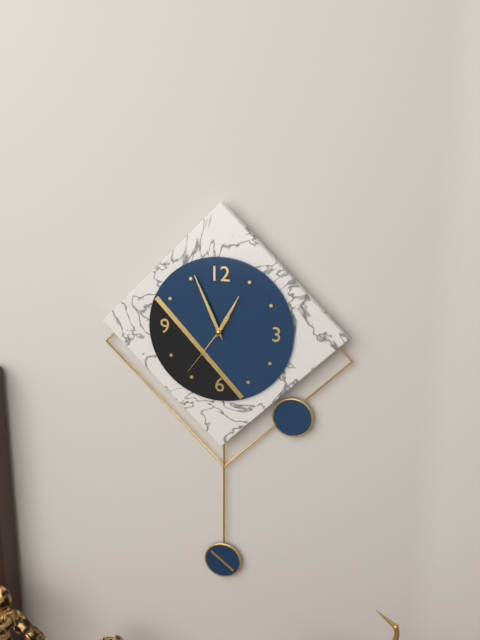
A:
12 h 56 min 36 s
